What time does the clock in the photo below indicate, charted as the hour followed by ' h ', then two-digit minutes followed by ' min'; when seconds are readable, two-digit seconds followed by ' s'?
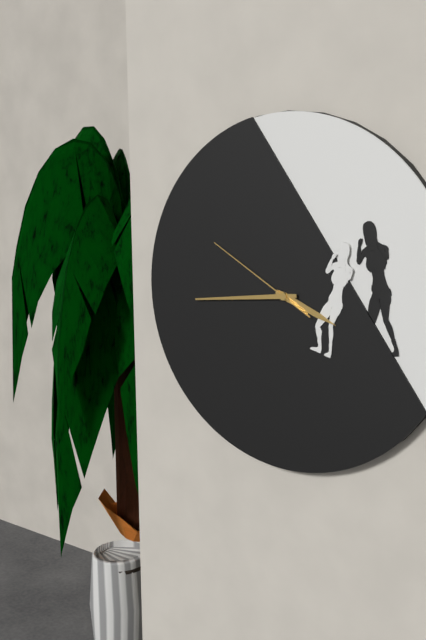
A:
3 h 44 min 50 s
